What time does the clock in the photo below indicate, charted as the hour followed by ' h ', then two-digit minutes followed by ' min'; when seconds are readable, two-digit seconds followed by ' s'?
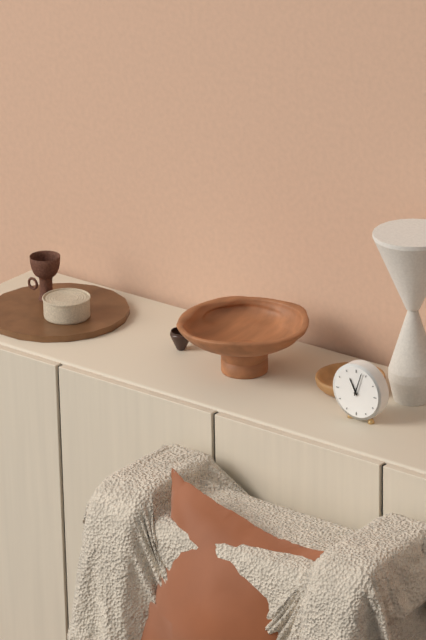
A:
11 h 03 min
